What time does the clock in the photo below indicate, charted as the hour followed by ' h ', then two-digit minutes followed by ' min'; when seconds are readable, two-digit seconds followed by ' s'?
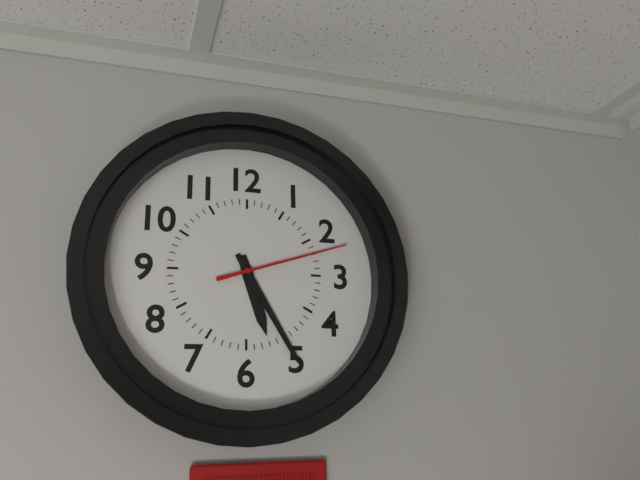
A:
5 h 25 min 12 s
